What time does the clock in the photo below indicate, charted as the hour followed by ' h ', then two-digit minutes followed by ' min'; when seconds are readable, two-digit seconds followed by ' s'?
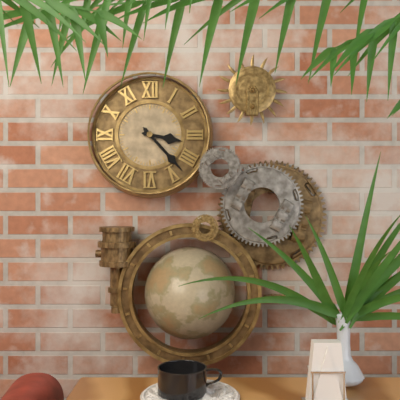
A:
3 h 23 min
